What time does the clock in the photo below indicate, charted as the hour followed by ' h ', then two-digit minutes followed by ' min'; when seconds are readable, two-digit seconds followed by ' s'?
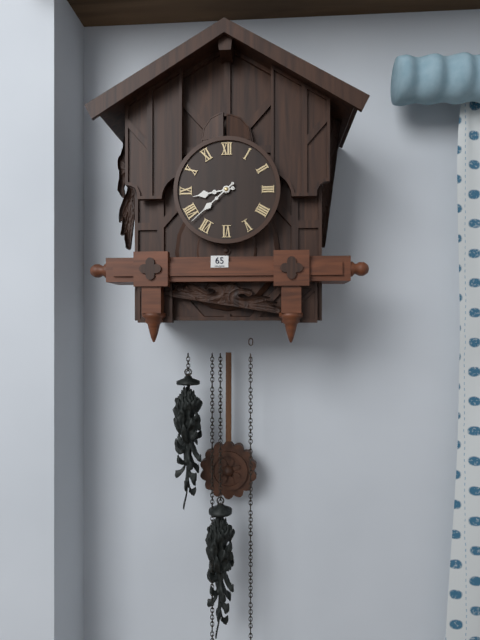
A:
8 h 38 min
